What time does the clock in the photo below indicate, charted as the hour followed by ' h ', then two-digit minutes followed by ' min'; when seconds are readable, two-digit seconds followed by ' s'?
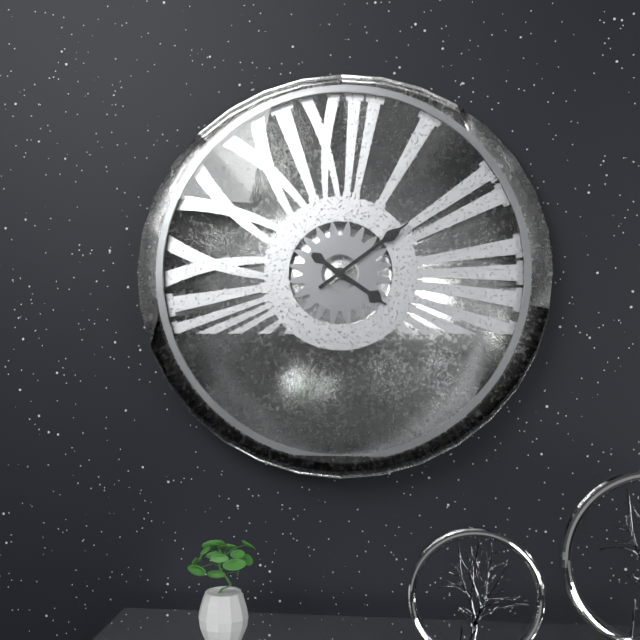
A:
4 h 09 min
